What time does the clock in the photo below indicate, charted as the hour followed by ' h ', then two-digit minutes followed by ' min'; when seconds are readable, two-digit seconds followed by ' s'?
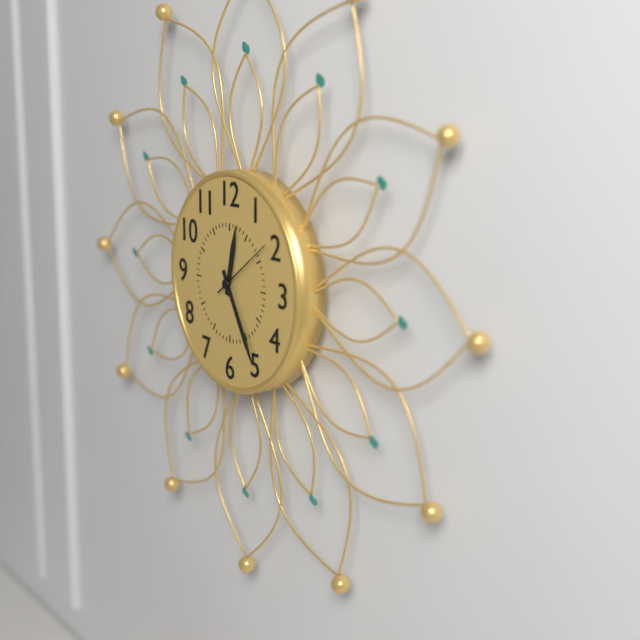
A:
12 h 25 min 09 s
